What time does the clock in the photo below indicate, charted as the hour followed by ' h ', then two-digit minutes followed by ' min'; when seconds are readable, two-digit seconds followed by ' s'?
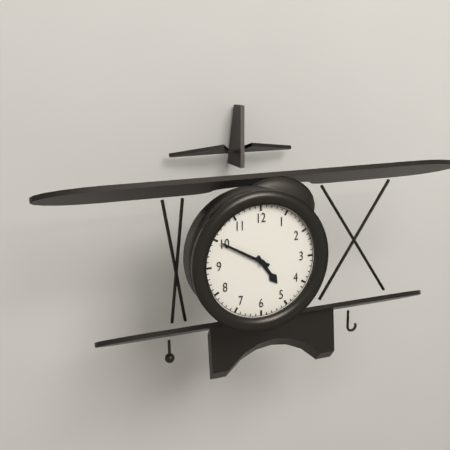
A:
4 h 50 min
